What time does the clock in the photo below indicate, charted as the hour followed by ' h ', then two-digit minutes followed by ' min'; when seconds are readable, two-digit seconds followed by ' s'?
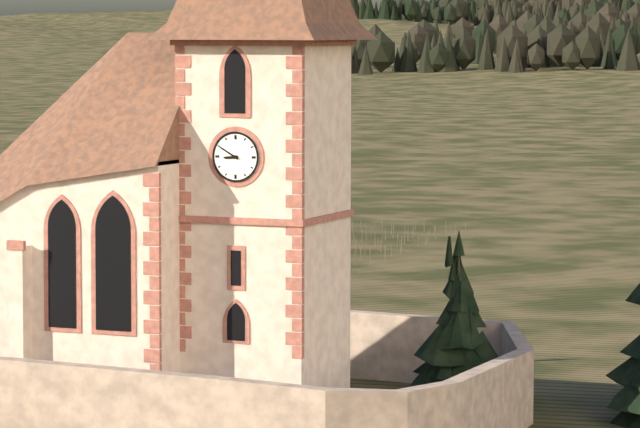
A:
8 h 50 min
